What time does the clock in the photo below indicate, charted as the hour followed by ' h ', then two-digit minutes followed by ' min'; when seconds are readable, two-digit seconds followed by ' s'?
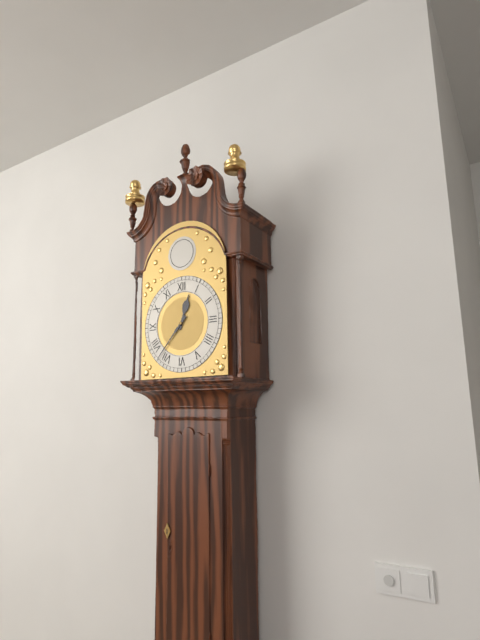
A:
12 h 37 min
